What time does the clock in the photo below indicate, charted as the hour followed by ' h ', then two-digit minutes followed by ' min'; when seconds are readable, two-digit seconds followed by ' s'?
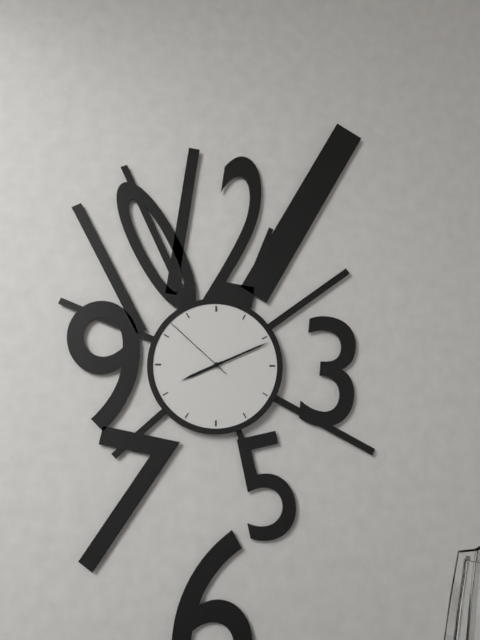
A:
8 h 11 min 52 s
